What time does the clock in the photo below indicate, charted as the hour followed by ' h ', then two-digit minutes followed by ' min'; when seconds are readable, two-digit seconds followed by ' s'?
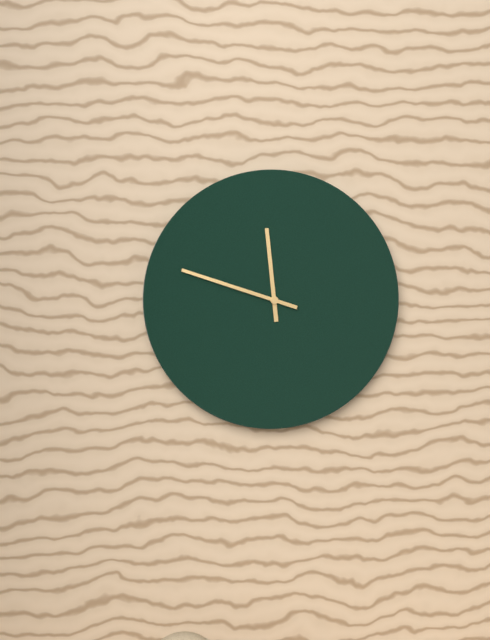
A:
11 h 48 min
